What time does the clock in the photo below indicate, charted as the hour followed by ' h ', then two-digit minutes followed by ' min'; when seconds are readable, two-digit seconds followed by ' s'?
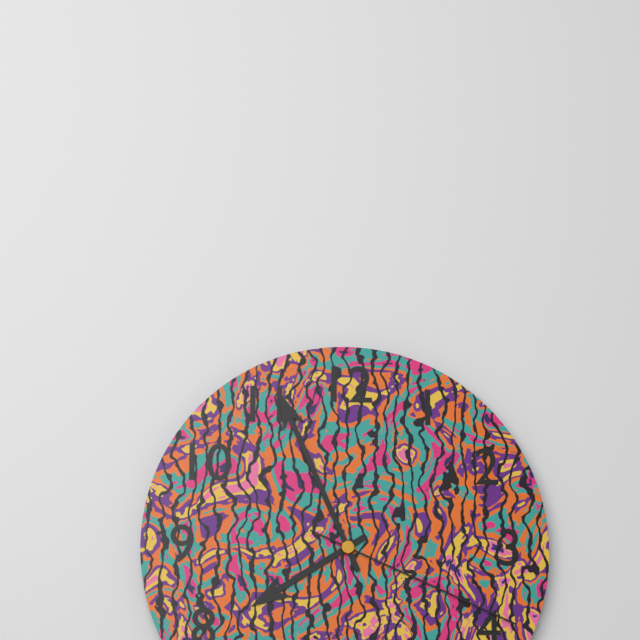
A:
7 h 56 min 19 s
